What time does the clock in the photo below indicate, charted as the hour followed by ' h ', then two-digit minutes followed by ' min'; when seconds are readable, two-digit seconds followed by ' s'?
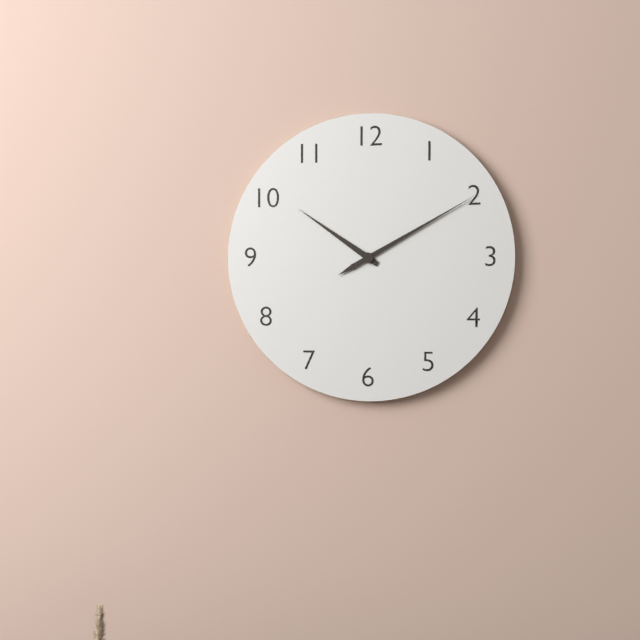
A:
10 h 10 min
